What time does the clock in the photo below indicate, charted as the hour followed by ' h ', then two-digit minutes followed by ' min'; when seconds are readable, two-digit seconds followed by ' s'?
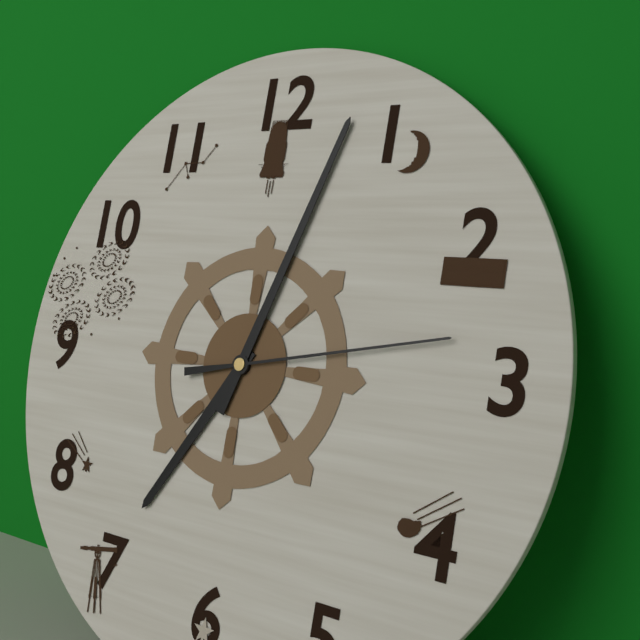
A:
7 h 03 min 13 s
